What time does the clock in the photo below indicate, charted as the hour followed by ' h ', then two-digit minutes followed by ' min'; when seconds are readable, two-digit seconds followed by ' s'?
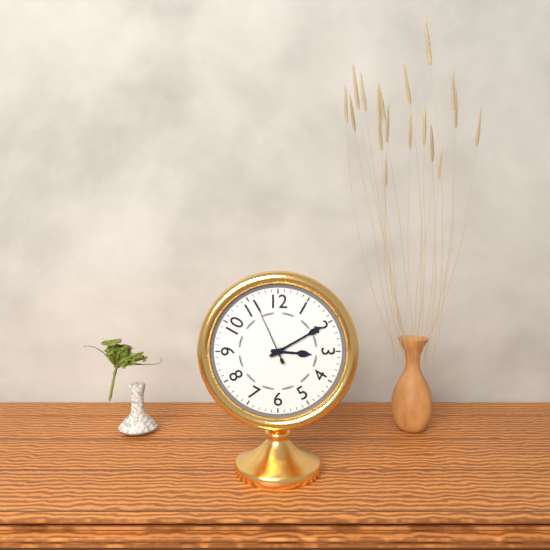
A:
3 h 10 min 56 s
